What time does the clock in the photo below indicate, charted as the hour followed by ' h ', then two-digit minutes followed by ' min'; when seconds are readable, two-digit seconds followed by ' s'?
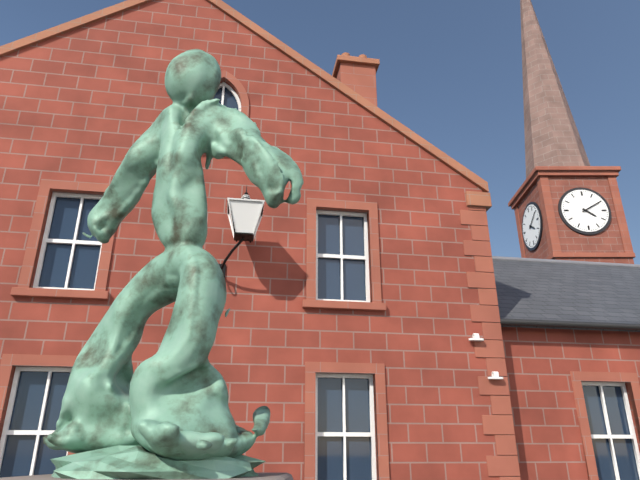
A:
4 h 10 min
